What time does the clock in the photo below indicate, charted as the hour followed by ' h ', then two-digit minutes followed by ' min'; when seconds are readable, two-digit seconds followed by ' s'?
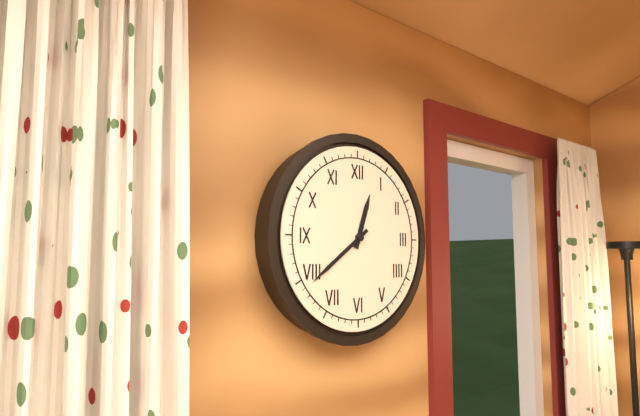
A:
12 h 39 min
